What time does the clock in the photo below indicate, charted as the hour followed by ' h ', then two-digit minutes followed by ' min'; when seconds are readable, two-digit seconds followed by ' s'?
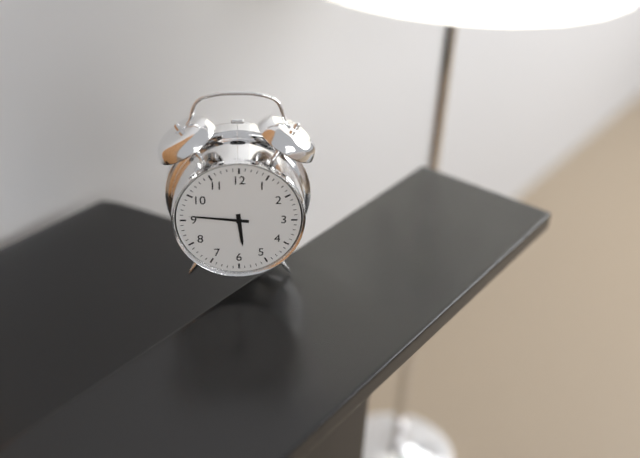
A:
5 h 46 min
